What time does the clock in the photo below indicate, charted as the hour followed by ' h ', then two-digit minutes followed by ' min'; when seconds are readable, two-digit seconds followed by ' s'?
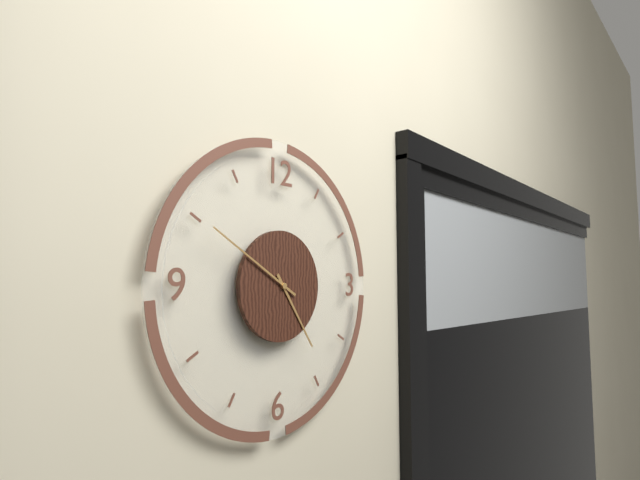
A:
4 h 50 min
